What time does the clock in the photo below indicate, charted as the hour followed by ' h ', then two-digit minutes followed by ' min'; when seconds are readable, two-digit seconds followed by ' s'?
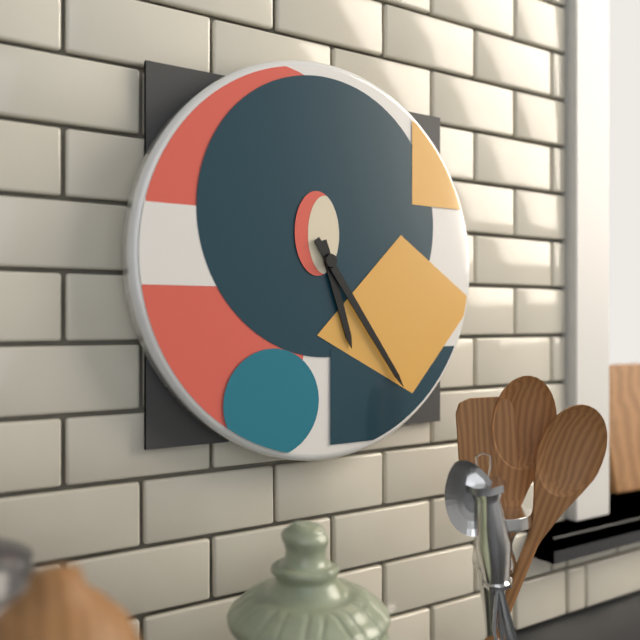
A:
5 h 24 min
